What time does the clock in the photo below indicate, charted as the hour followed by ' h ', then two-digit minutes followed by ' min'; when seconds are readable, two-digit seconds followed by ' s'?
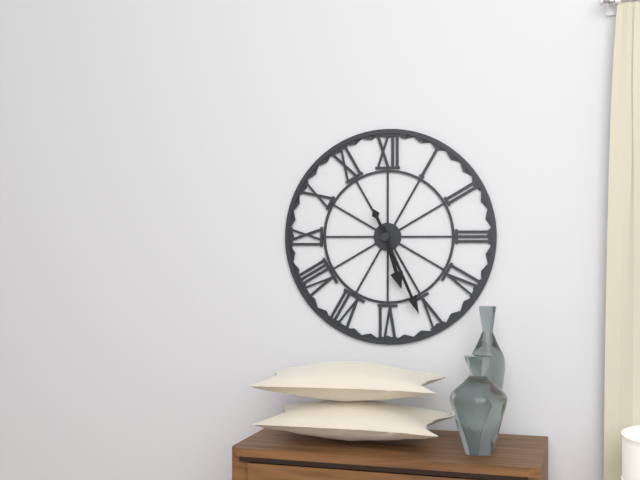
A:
5 h 26 min
